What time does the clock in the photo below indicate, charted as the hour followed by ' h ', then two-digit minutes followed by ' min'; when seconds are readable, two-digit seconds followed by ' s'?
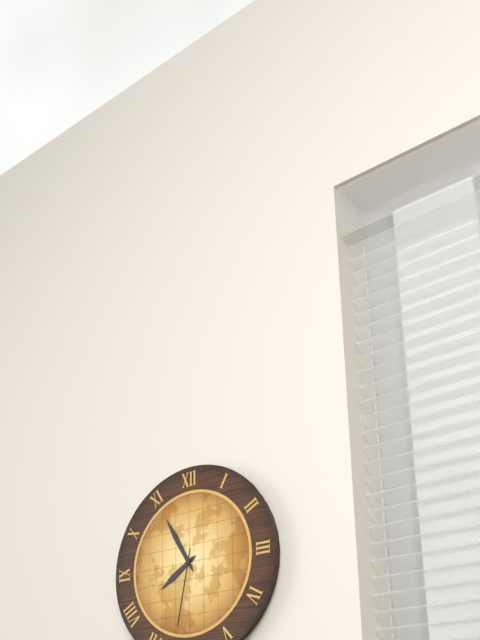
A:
7 h 55 min 32 s
